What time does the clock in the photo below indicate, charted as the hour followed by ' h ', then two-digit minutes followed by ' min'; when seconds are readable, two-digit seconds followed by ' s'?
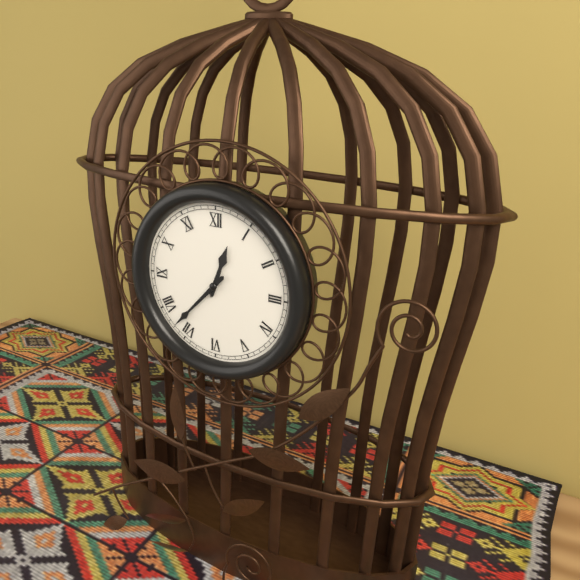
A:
12 h 37 min
